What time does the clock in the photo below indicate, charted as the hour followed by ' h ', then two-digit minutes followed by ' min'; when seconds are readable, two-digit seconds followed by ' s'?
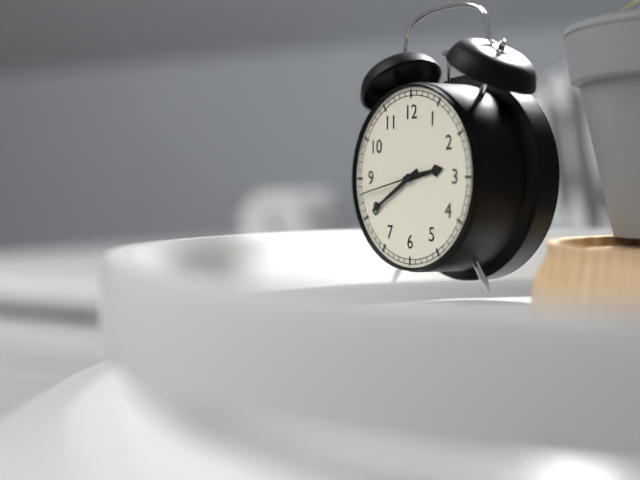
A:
2 h 40 min 43 s
